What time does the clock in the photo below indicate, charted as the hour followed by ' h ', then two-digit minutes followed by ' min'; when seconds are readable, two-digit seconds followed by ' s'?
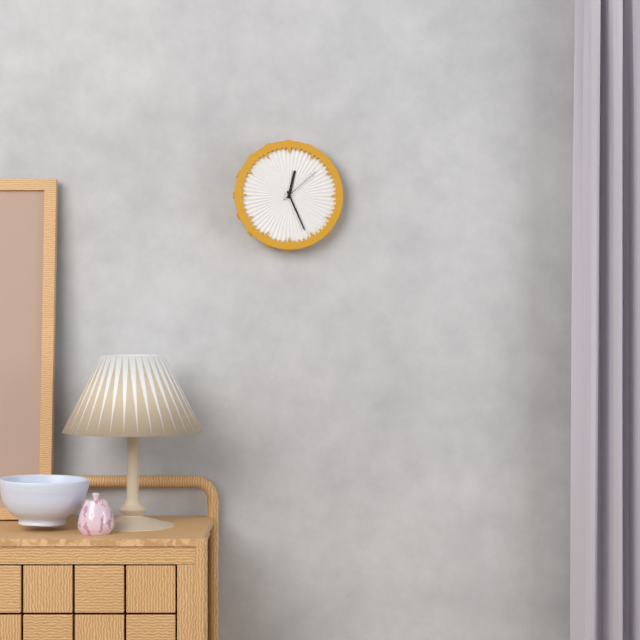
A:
12 h 26 min
